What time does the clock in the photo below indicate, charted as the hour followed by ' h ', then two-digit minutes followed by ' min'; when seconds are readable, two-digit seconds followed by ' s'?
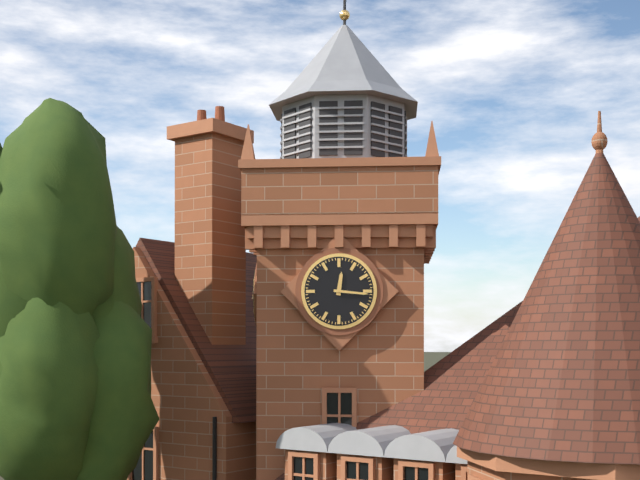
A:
12 h 16 min
